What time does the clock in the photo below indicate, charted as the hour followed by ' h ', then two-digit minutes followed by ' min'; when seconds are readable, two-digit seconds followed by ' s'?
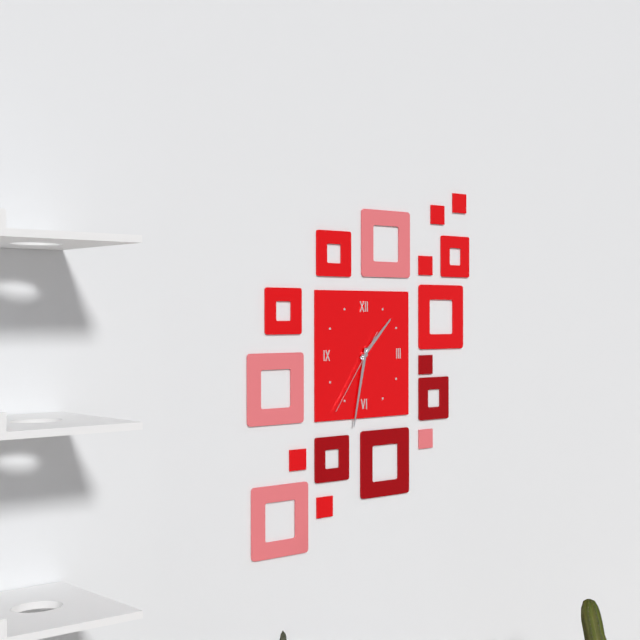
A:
1 h 32 min 36 s
